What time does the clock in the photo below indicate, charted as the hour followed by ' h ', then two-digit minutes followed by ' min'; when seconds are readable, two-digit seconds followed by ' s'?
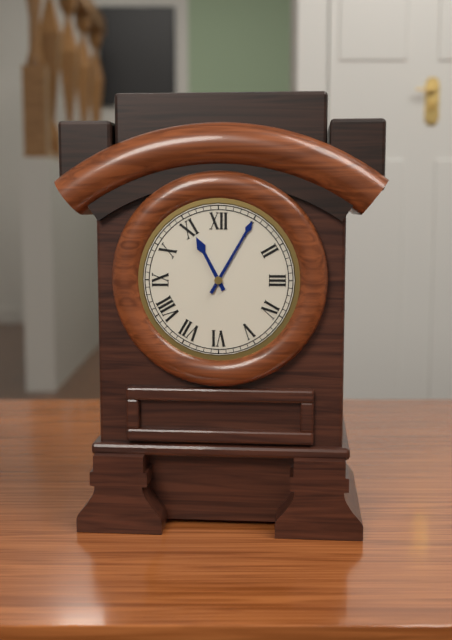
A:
11 h 05 min
